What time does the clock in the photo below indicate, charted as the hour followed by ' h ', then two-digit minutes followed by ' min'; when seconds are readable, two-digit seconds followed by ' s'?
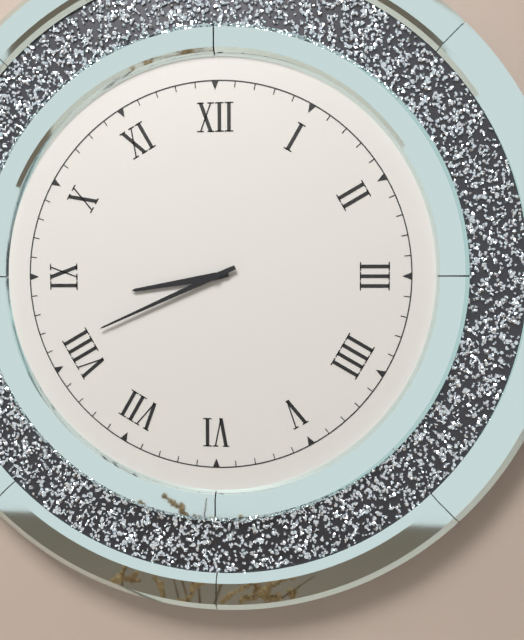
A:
8 h 41 min
